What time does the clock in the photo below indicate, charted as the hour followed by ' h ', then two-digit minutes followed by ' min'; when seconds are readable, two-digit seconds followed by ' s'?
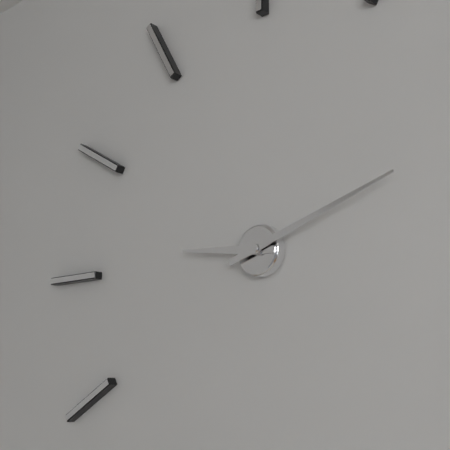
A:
9 h 12 min
